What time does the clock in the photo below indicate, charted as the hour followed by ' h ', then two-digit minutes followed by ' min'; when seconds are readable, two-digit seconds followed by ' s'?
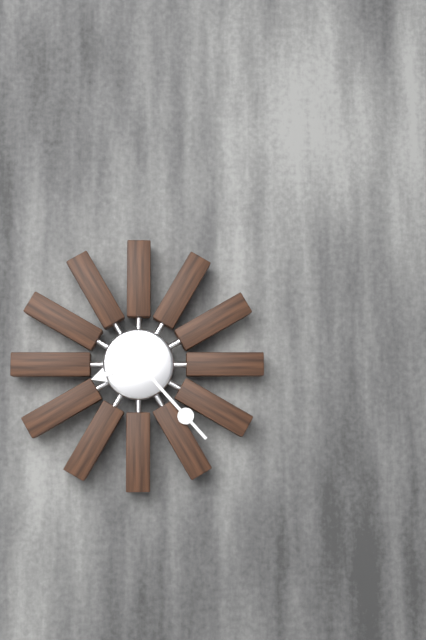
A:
8 h 23 min
